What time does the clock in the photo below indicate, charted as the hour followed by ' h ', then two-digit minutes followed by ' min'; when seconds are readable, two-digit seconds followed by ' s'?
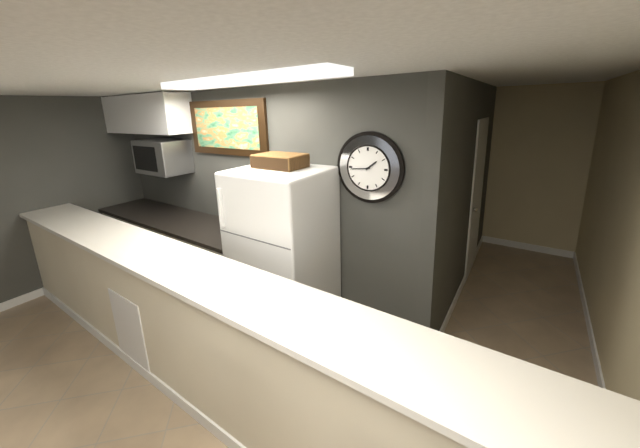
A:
1 h 44 min
